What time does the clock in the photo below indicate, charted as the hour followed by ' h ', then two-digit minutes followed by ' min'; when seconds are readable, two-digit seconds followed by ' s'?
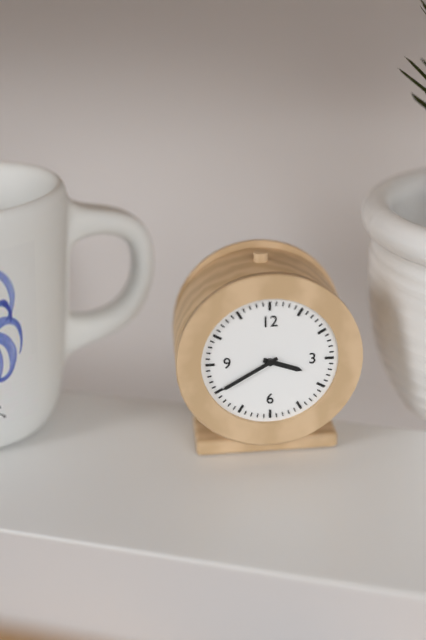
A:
3 h 40 min
